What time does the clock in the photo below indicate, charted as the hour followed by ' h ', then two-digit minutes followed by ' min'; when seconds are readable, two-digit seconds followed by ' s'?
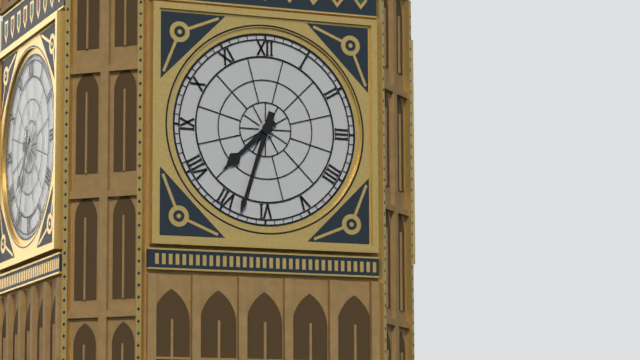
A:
7 h 33 min
